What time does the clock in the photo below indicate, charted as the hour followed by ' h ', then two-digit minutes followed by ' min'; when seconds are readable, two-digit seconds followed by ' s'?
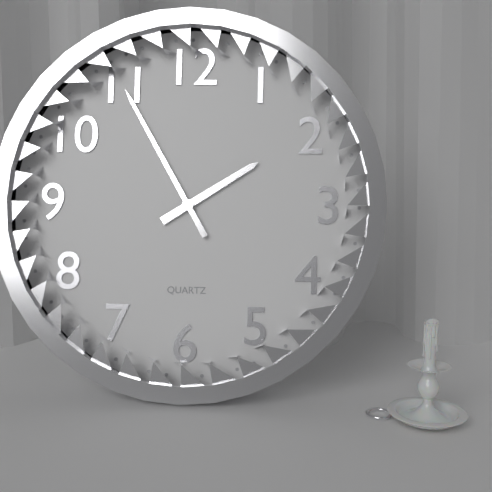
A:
1 h 55 min
